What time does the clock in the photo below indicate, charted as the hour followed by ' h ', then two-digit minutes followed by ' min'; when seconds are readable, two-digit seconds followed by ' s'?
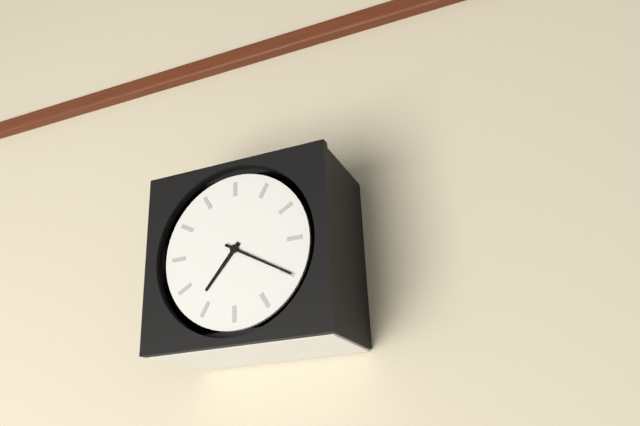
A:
7 h 20 min
